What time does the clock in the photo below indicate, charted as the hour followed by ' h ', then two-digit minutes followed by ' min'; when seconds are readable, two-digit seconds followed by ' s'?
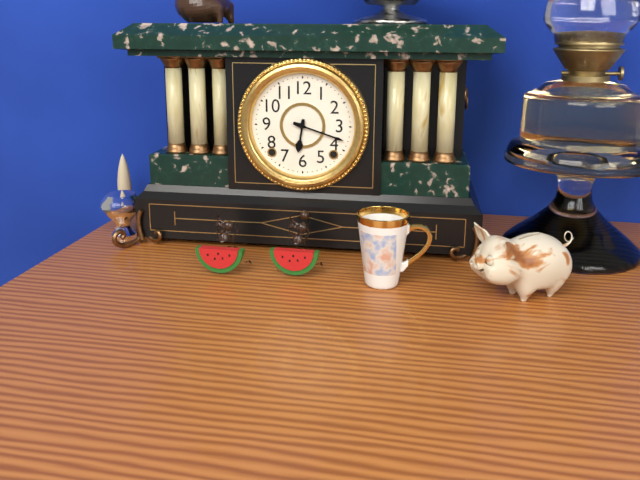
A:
6 h 18 min
